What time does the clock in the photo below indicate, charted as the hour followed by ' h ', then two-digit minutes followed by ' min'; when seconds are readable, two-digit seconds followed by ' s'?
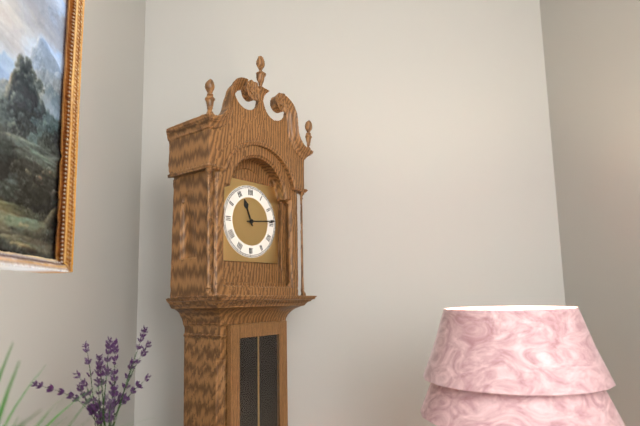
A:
11 h 14 min
